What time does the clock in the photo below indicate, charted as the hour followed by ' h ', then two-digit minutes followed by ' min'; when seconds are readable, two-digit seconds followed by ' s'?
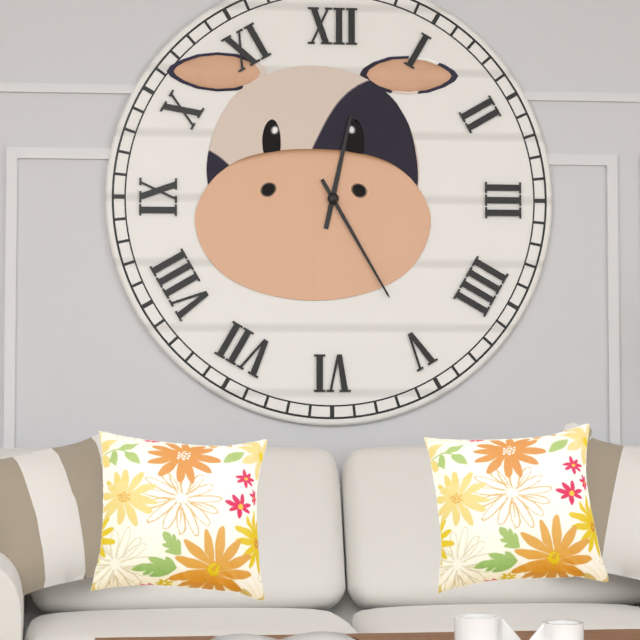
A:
12 h 25 min
